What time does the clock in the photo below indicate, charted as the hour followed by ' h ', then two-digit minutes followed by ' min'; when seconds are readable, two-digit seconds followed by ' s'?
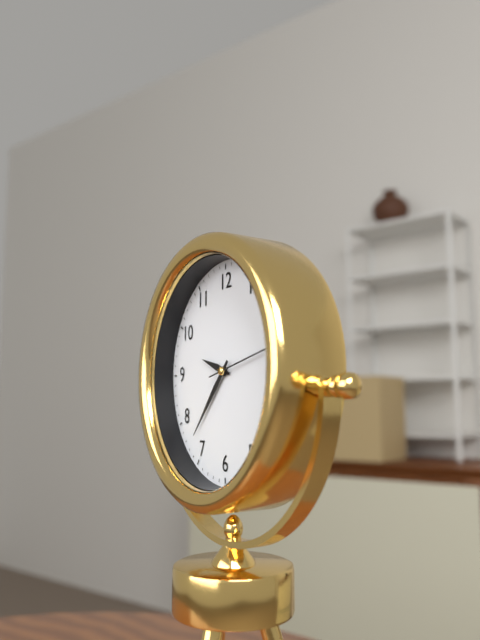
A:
9 h 37 min 13 s
